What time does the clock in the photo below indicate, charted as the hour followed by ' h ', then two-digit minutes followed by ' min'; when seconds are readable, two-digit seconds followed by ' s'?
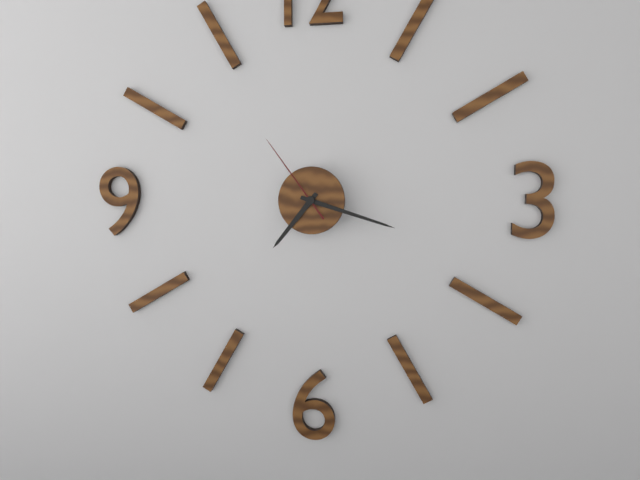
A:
7 h 18 min 54 s
